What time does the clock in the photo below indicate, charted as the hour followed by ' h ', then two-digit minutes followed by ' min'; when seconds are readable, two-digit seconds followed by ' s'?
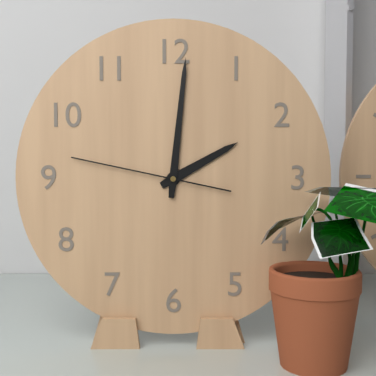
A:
2 h 01 min 47 s
